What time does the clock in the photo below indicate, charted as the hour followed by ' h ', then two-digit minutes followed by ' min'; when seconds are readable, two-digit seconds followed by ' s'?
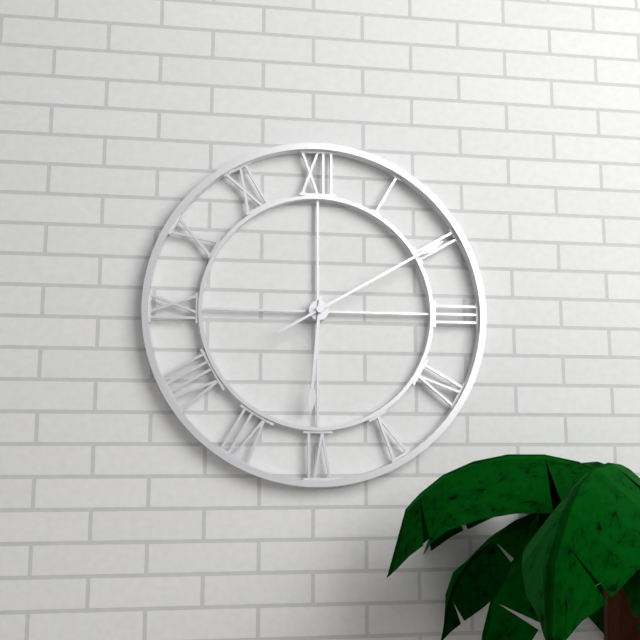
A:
6 h 10 min
